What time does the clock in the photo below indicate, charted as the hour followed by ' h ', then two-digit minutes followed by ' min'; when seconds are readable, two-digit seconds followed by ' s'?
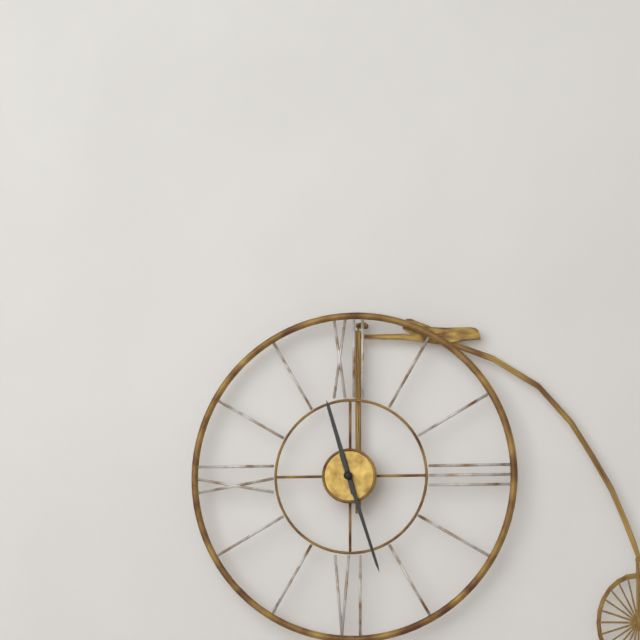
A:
11 h 27 min
